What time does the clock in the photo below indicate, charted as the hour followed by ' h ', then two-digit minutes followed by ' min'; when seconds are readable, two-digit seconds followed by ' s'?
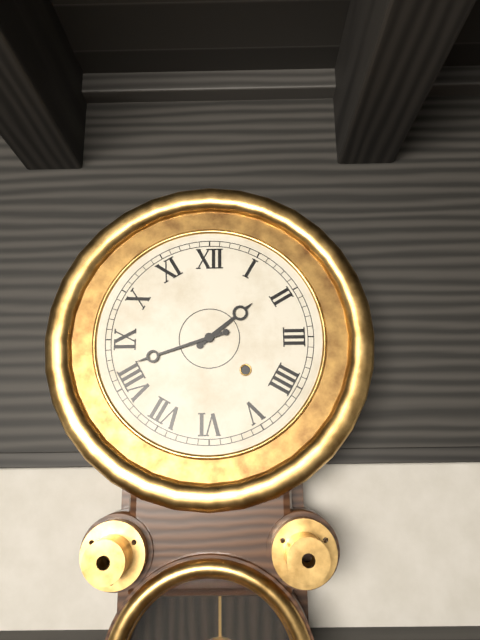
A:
1 h 42 min
